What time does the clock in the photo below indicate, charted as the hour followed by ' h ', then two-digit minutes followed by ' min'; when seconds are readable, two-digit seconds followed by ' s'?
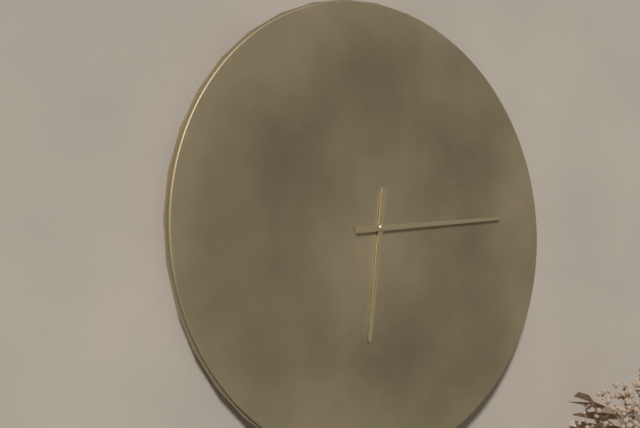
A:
6 h 14 min
